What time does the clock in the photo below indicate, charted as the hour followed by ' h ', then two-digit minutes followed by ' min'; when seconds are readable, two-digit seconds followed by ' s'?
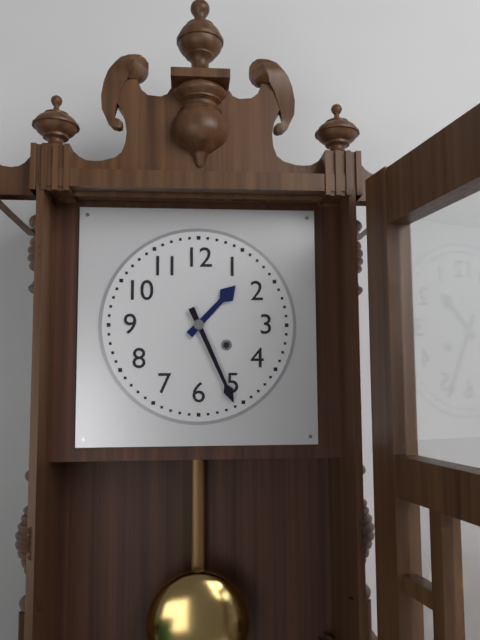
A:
1 h 26 min
